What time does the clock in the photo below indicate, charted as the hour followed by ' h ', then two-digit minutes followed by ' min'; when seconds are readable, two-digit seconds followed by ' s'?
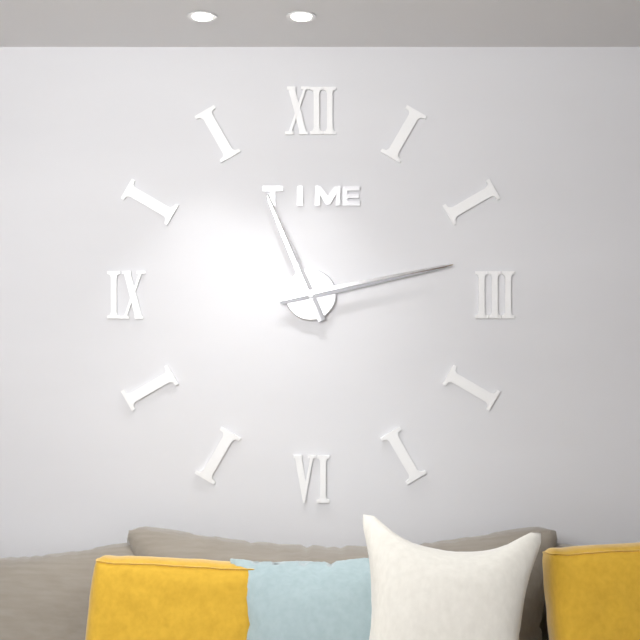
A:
11 h 13 min
